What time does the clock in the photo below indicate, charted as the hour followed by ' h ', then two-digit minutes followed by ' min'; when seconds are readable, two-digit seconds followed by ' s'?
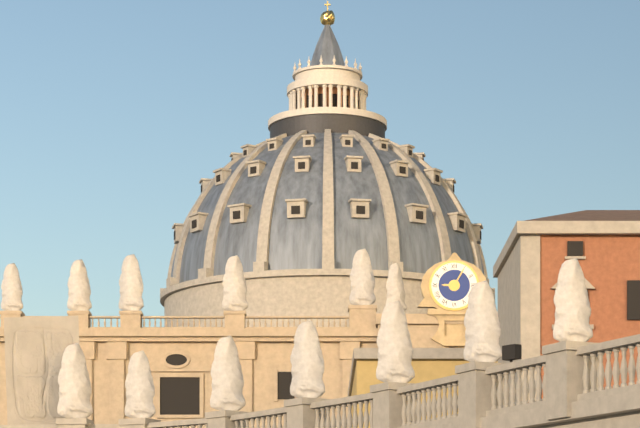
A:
9 h 05 min
